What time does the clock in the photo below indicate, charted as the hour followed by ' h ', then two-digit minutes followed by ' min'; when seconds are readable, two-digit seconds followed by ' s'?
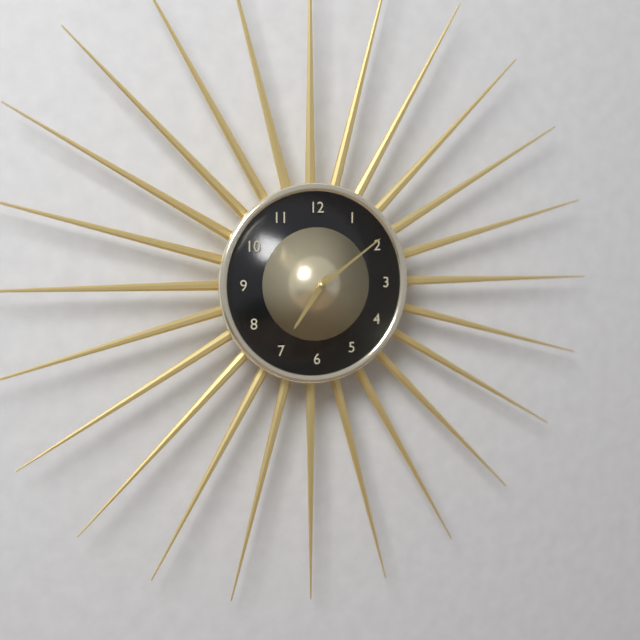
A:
7 h 09 min
